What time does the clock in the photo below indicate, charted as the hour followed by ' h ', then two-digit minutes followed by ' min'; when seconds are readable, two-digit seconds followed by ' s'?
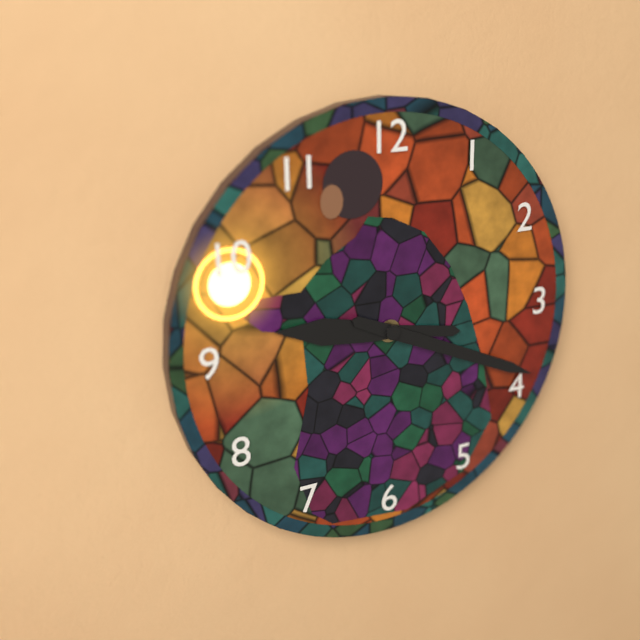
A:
9 h 19 min
